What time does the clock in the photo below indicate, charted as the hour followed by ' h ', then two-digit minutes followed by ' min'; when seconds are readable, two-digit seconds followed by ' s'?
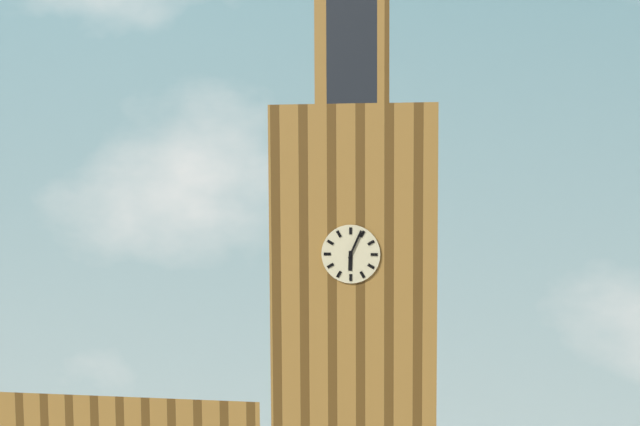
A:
6 h 04 min
